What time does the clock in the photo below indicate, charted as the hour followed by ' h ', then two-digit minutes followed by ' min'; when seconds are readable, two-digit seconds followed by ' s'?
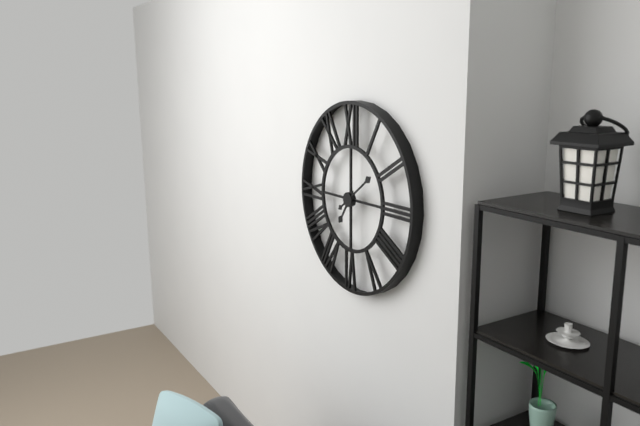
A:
7 h 09 min
